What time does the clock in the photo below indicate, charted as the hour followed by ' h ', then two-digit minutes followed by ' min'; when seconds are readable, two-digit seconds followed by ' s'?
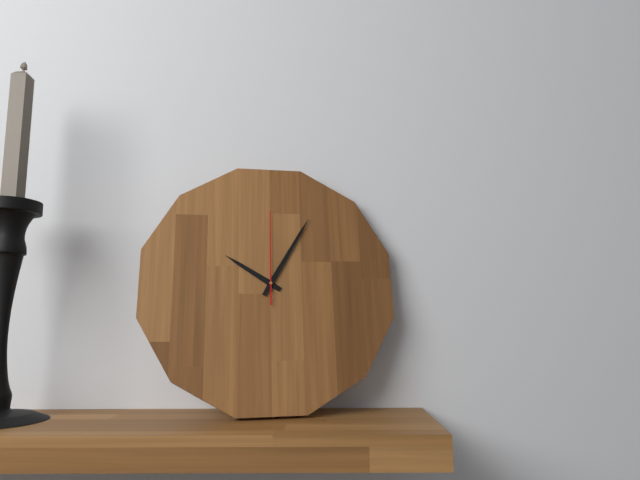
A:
10 h 05 min 00 s
